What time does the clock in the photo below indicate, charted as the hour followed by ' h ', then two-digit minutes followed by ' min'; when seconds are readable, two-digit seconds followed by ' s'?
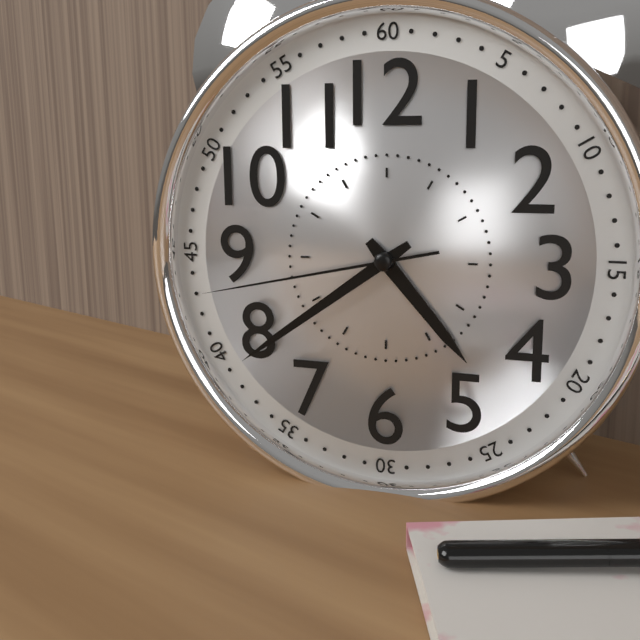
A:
4 h 39 min 43 s
